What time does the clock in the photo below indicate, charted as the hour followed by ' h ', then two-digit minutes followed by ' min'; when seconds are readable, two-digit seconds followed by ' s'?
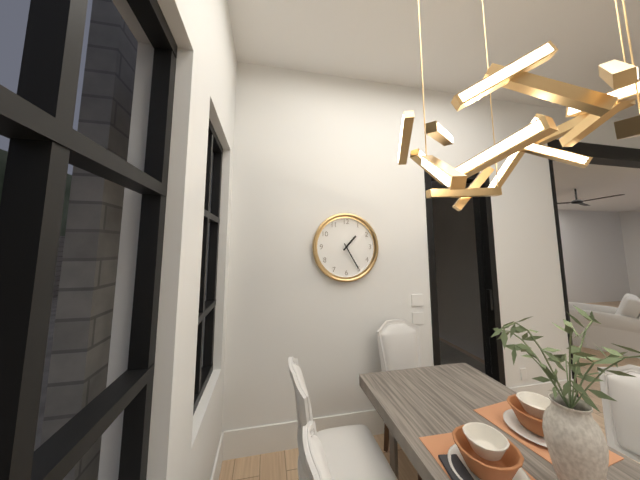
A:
1 h 25 min
